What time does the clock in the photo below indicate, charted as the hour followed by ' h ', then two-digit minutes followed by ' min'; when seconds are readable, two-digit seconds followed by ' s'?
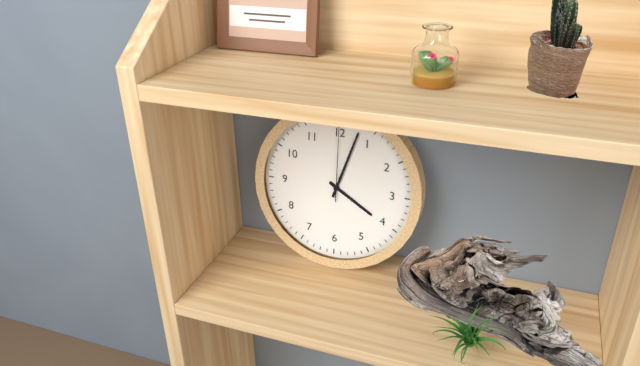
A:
4 h 03 min 00 s
